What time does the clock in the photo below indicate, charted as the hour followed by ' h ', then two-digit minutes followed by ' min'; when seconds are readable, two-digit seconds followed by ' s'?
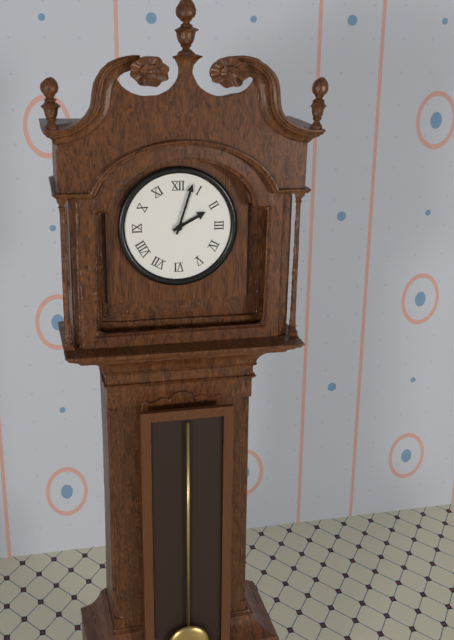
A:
2 h 03 min
